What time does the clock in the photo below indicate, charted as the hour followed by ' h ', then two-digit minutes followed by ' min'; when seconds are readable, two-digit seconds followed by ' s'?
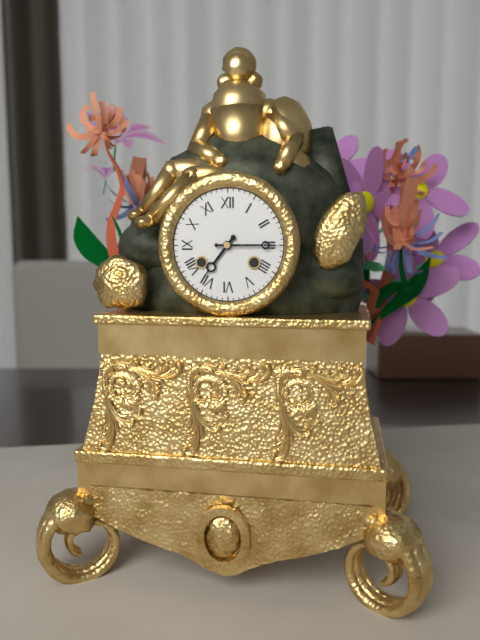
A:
7 h 15 min
